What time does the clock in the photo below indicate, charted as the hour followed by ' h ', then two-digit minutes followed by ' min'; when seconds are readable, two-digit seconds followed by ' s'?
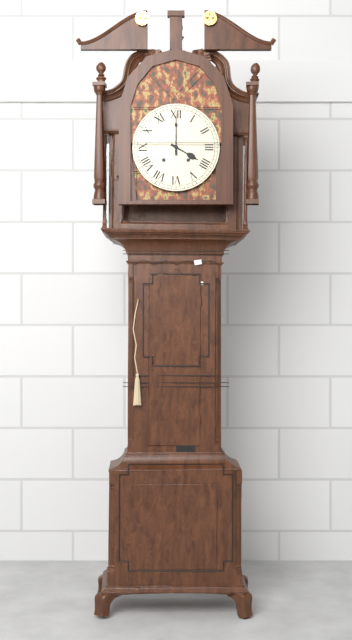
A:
4 h 00 min
